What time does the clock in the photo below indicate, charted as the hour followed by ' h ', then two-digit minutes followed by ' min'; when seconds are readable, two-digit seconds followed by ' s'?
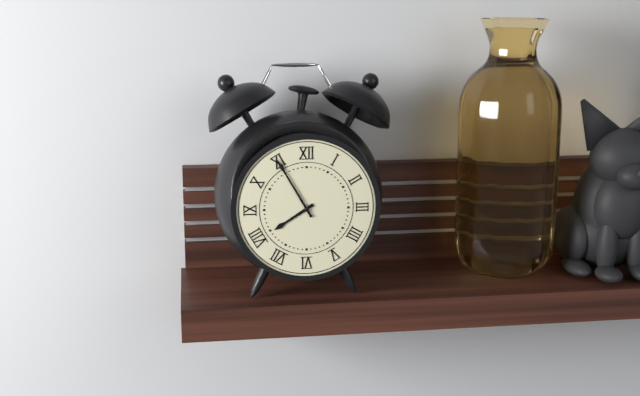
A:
7 h 55 min
